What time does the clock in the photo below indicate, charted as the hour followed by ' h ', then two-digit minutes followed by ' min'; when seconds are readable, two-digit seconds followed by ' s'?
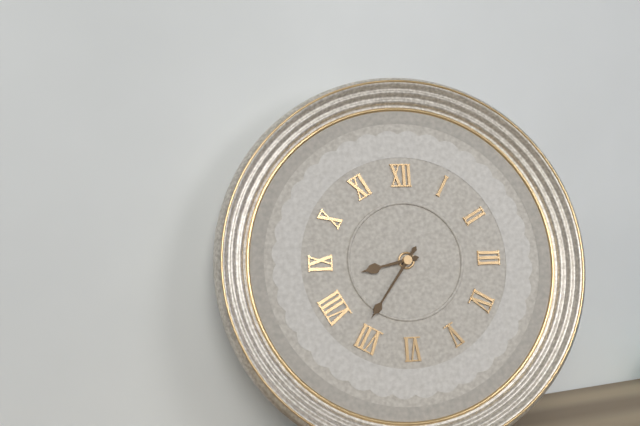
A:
8 h 36 min
